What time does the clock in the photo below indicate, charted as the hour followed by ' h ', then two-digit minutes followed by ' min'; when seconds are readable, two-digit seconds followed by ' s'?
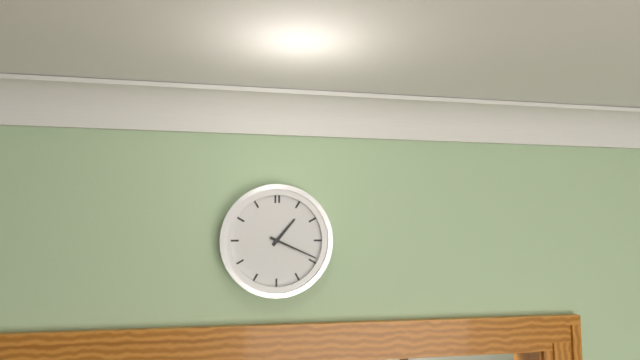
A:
1 h 19 min
